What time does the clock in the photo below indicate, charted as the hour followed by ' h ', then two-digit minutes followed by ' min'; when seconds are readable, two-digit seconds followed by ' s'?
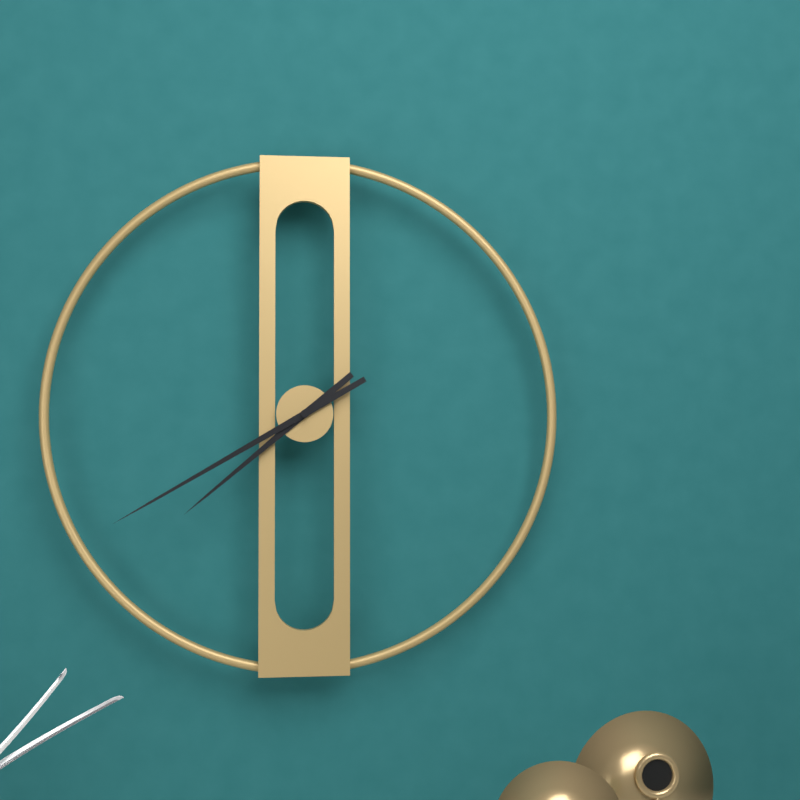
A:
7 h 40 min
